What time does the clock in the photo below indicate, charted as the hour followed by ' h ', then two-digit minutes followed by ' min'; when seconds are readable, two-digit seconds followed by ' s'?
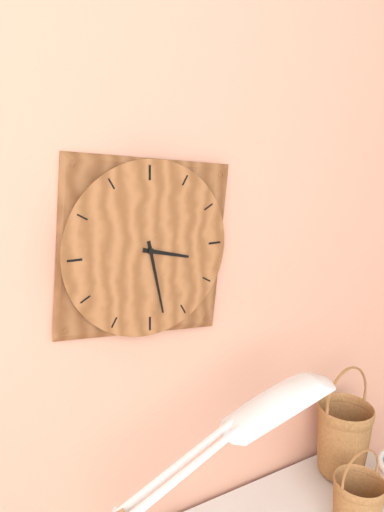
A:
3 h 28 min
